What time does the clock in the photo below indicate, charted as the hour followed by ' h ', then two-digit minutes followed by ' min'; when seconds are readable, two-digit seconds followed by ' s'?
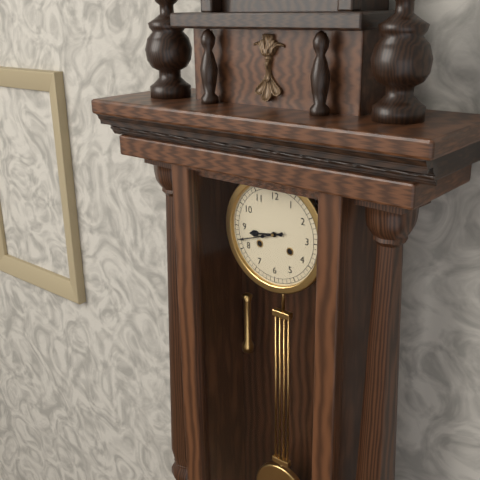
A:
8 h 42 min
